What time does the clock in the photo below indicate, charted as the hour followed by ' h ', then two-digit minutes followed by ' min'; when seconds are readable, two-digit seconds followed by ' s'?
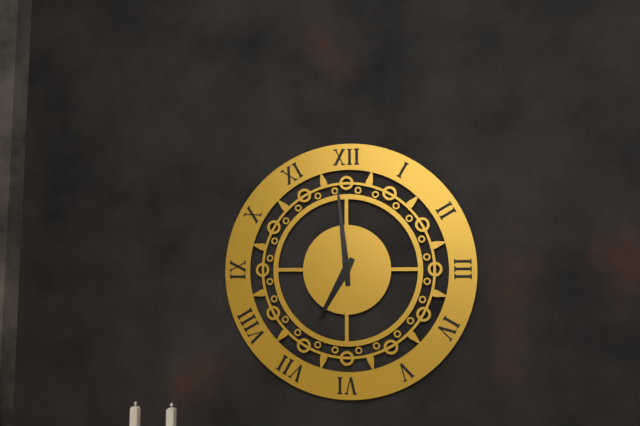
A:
6 h 59 min
